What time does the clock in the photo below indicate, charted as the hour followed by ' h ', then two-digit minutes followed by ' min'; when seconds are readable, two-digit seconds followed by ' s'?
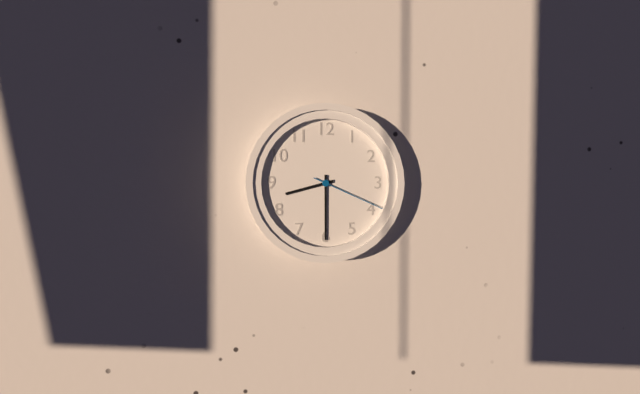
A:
8 h 30 min 19 s
